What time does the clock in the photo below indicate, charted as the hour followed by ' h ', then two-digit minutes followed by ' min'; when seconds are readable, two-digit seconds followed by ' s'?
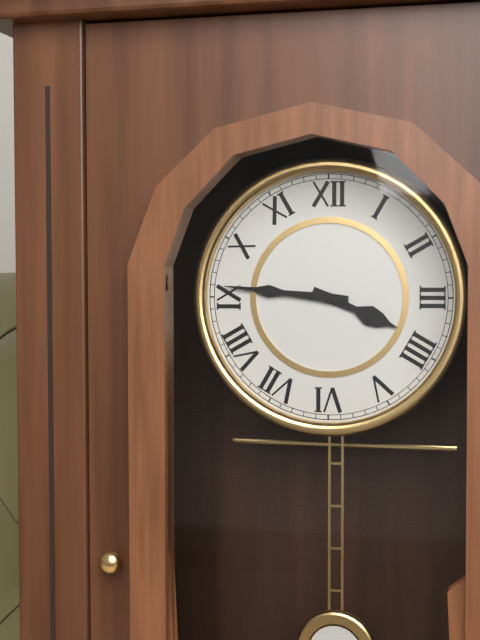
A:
3 h 46 min
